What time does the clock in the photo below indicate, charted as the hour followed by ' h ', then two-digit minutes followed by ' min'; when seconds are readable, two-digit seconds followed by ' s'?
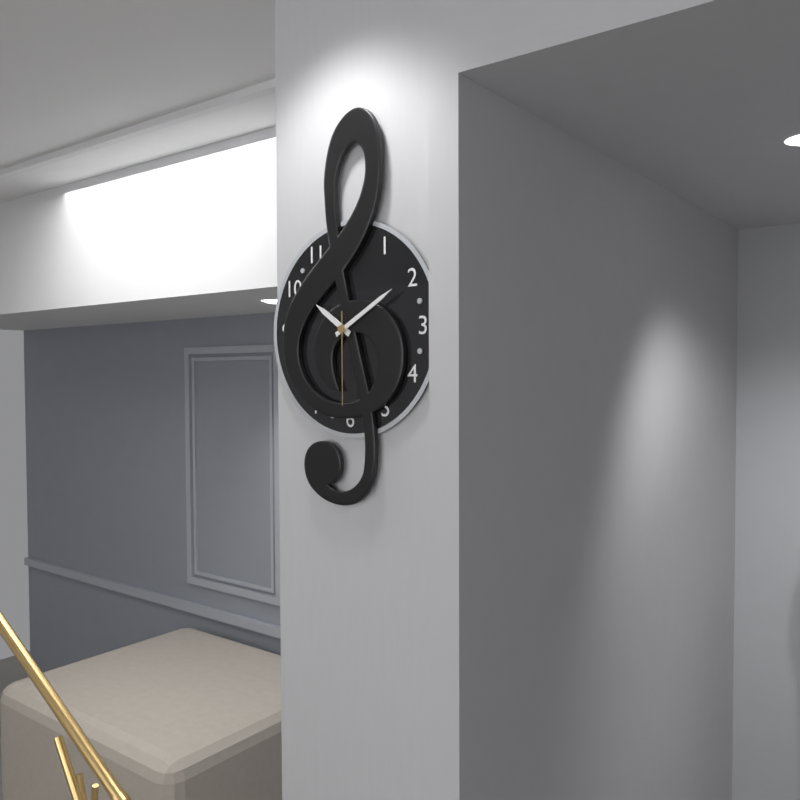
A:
10 h 10 min 30 s
